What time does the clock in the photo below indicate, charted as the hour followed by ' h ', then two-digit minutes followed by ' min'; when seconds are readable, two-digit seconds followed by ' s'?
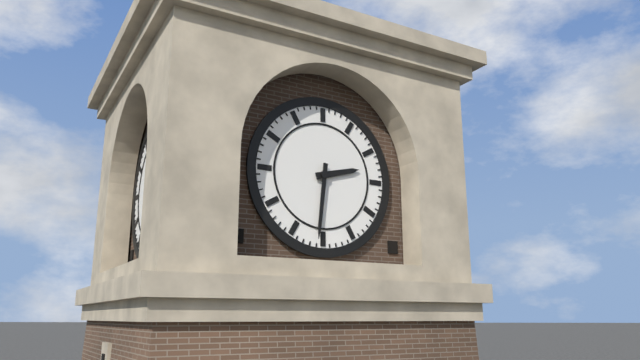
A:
2 h 31 min
